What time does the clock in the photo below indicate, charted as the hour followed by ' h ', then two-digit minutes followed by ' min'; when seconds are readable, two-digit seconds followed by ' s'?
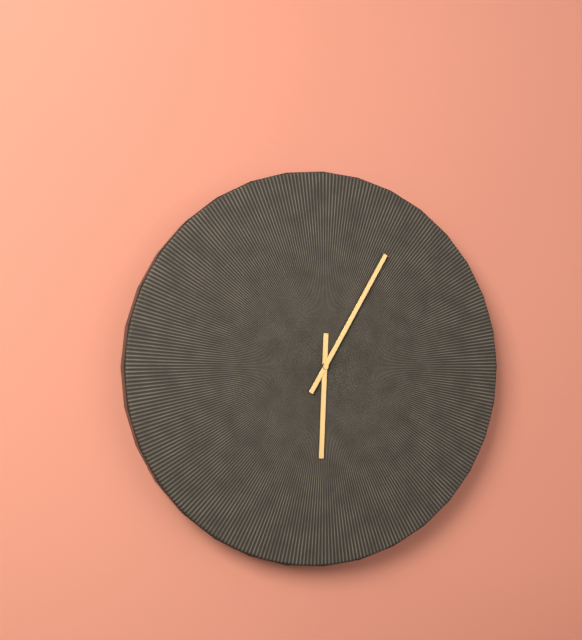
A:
6 h 05 min
